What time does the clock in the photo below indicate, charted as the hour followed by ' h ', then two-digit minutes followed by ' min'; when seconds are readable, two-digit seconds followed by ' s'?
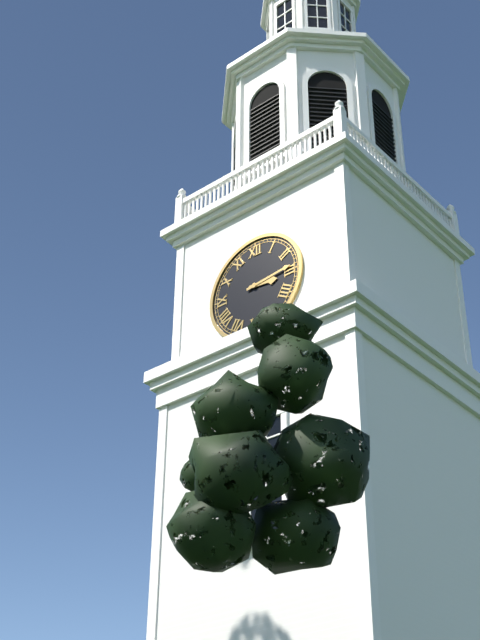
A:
3 h 14 min
